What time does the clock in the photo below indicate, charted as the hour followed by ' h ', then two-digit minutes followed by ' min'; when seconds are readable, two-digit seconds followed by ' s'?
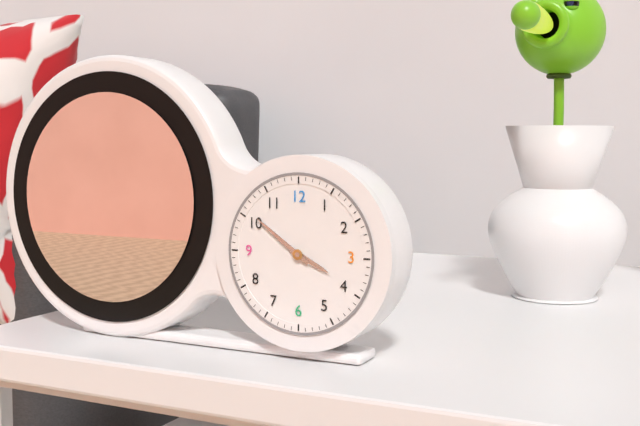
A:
3 h 51 min
